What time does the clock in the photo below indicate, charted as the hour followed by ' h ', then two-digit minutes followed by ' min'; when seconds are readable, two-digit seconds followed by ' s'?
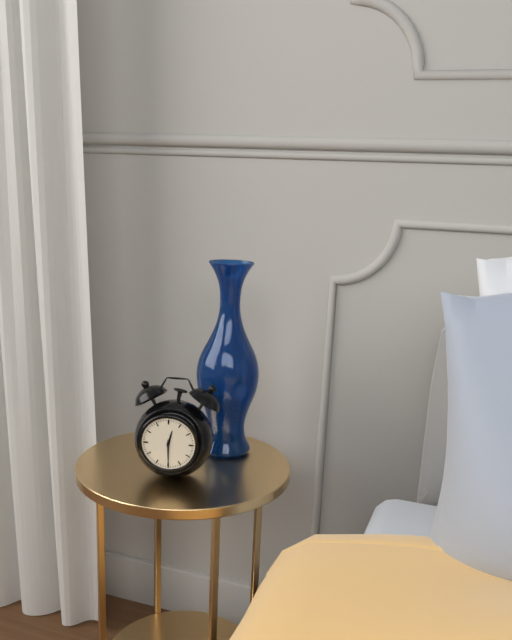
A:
12 h 30 min
